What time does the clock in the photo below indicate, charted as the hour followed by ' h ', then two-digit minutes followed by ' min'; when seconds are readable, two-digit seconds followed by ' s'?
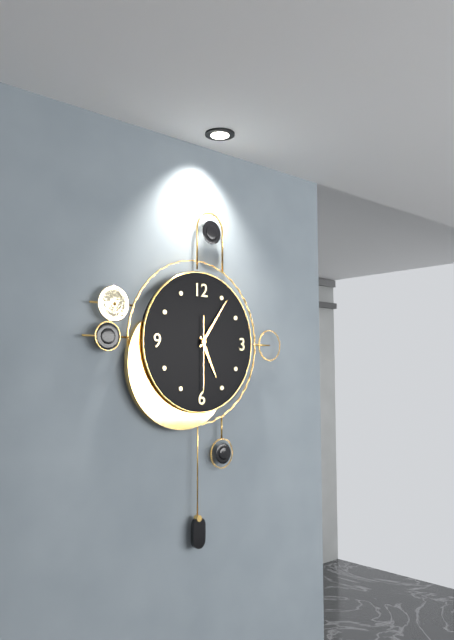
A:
5 h 06 min 30 s
